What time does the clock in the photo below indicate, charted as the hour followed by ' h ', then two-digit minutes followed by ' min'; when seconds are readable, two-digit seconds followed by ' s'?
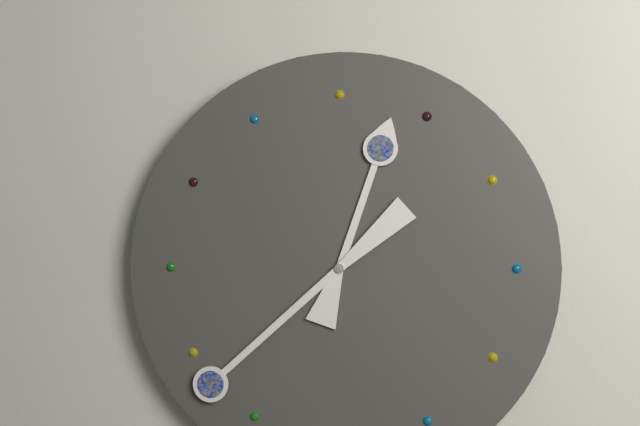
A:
12 h 38 min
